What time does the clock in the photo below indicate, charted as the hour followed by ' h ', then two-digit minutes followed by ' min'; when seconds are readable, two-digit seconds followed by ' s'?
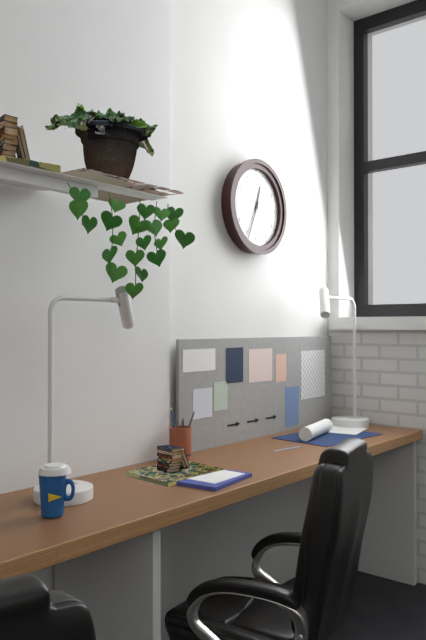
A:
12 h 34 min
